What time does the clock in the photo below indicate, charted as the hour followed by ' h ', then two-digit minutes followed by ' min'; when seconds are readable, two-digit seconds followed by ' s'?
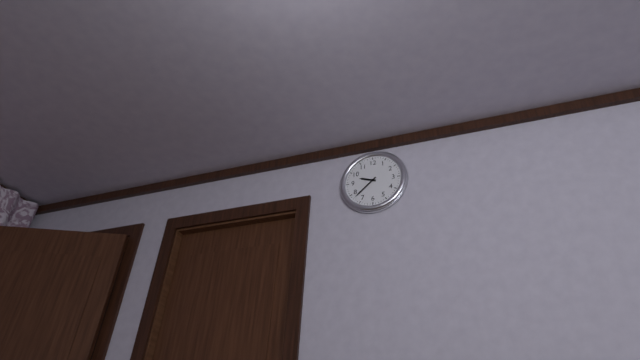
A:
9 h 38 min
